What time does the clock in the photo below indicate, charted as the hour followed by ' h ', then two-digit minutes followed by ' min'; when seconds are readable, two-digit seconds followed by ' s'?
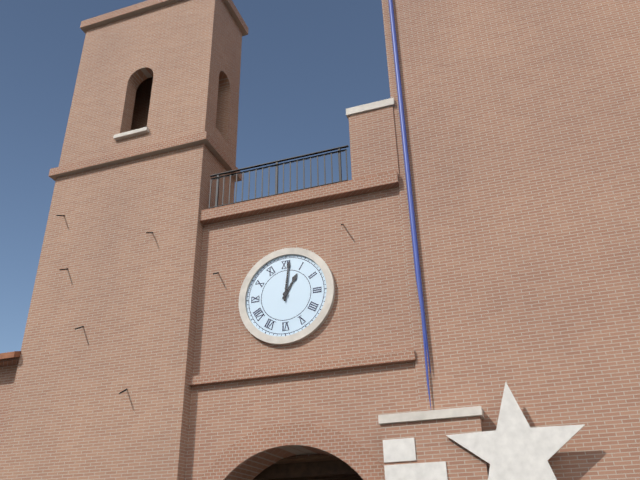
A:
1 h 01 min
